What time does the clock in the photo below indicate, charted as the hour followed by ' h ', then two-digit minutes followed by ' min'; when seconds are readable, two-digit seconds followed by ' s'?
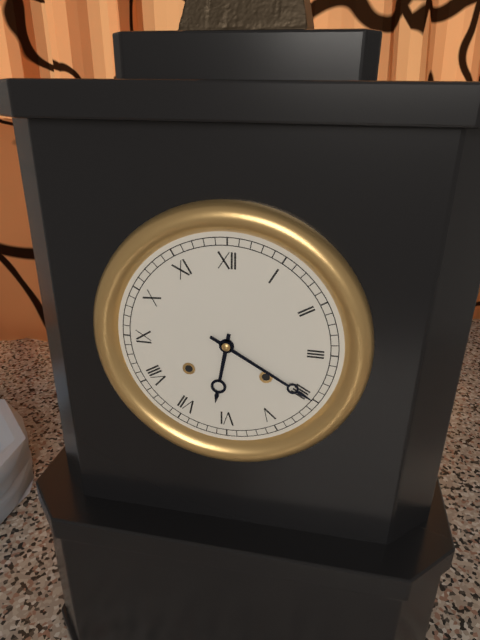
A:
6 h 20 min
